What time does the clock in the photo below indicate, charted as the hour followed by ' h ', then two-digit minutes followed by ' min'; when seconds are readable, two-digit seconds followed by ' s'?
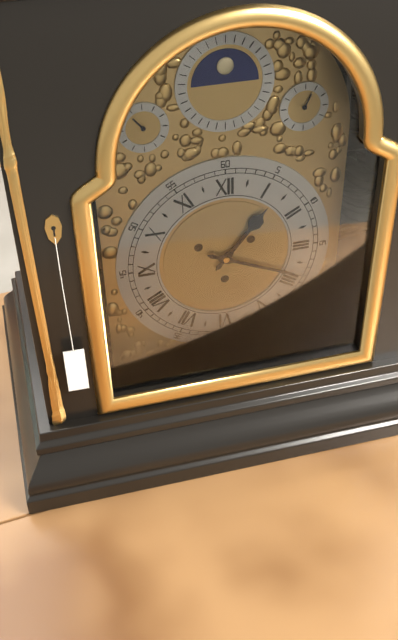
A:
1 h 19 min
